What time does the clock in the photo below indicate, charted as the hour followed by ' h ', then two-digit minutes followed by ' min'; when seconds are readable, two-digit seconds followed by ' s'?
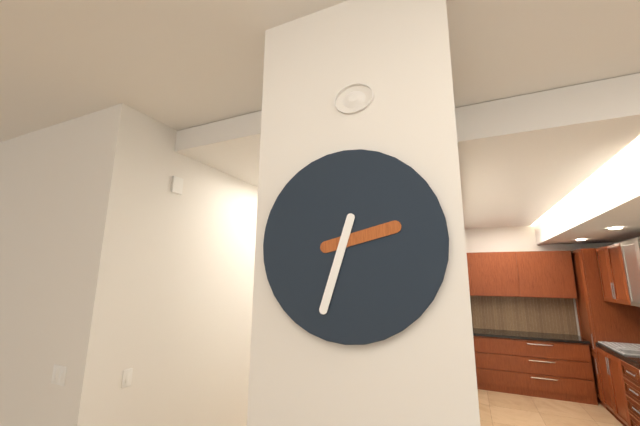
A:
2 h 33 min
